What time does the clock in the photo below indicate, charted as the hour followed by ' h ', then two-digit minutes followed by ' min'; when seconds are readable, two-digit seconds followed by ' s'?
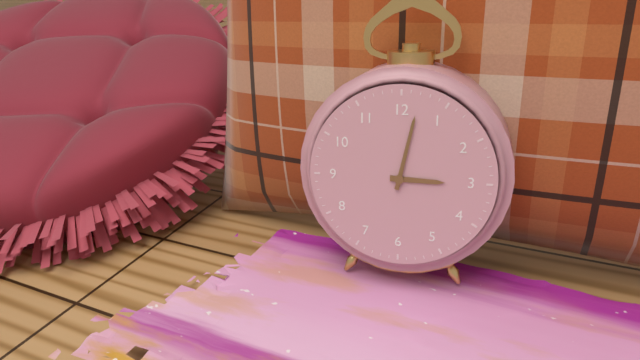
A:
3 h 02 min
